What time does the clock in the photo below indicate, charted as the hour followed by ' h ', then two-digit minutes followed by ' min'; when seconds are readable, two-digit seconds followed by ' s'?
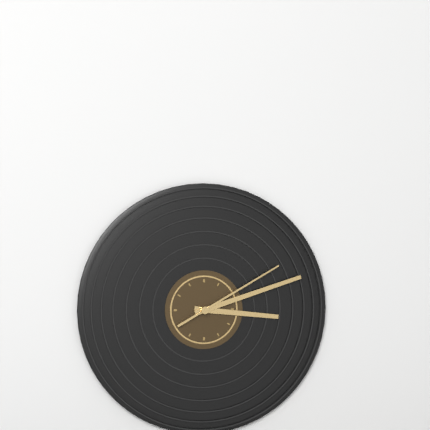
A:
3 h 12 min 10 s
